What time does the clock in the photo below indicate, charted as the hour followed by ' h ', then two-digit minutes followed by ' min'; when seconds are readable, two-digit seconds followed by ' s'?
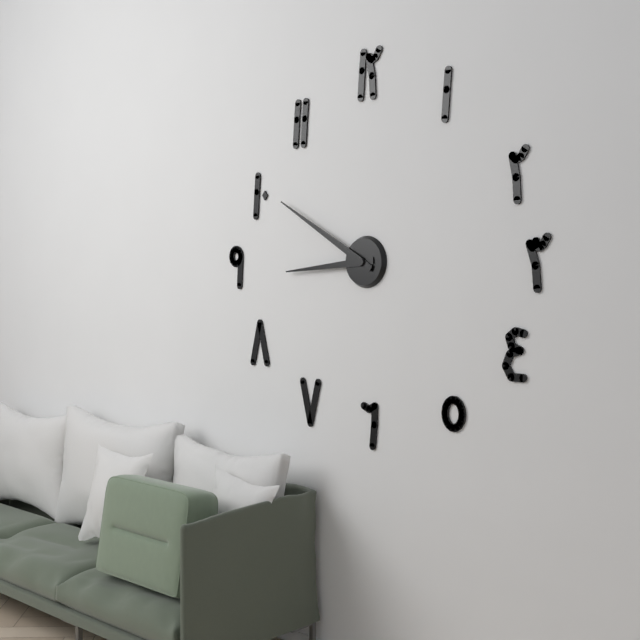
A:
8 h 50 min
